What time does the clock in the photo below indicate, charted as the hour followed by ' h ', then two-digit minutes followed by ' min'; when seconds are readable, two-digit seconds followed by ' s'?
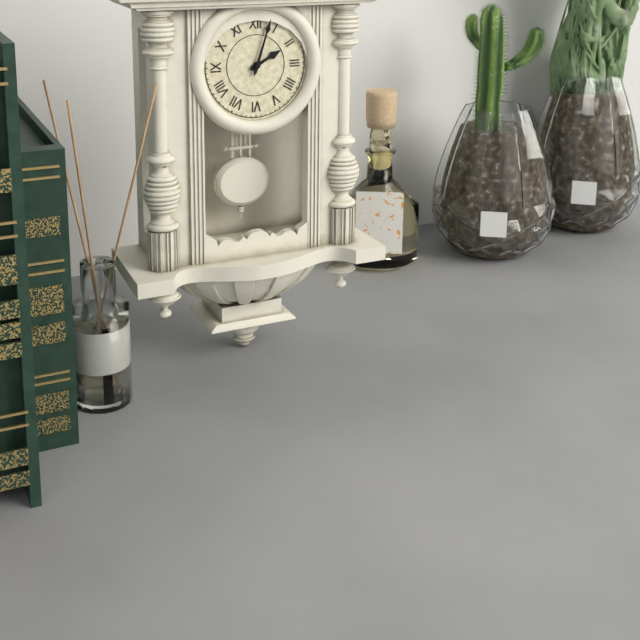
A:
2 h 03 min
